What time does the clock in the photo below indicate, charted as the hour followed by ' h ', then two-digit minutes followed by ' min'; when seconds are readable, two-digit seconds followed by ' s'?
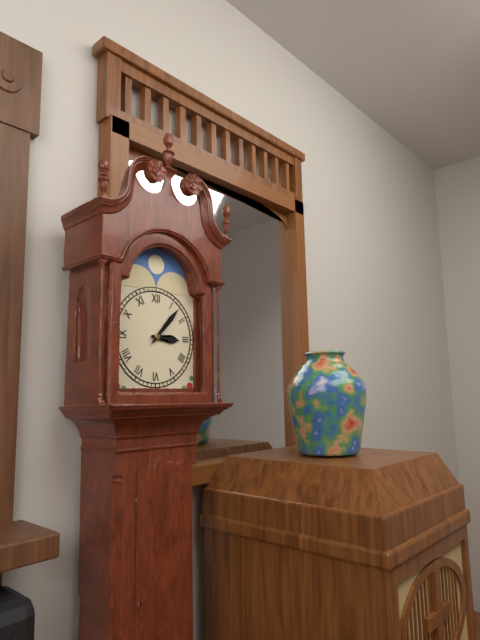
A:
3 h 07 min
